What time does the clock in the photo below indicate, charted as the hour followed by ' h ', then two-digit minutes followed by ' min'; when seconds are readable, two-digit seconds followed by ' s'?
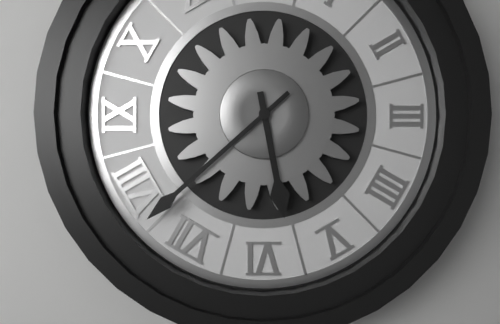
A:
5 h 38 min
